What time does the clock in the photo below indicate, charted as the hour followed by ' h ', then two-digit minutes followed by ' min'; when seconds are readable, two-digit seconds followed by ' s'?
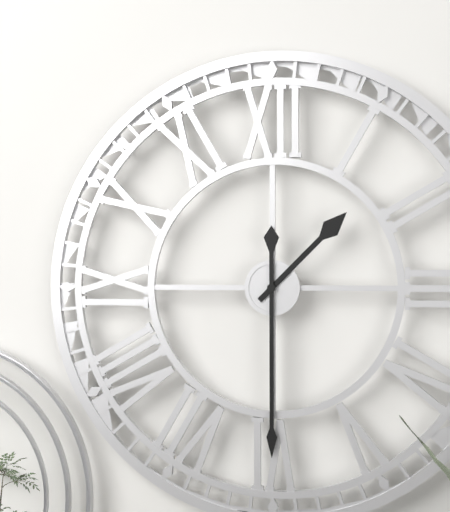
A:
1 h 30 min
